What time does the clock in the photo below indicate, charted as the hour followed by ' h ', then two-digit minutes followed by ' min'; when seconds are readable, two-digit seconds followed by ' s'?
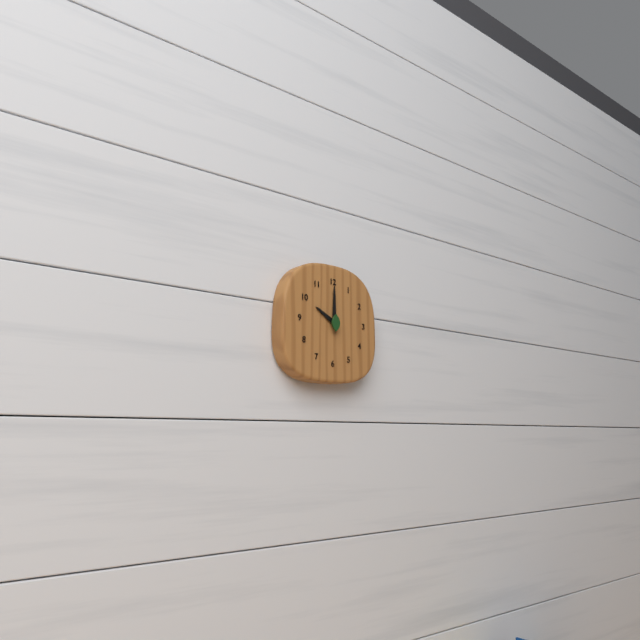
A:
10 h 00 min
